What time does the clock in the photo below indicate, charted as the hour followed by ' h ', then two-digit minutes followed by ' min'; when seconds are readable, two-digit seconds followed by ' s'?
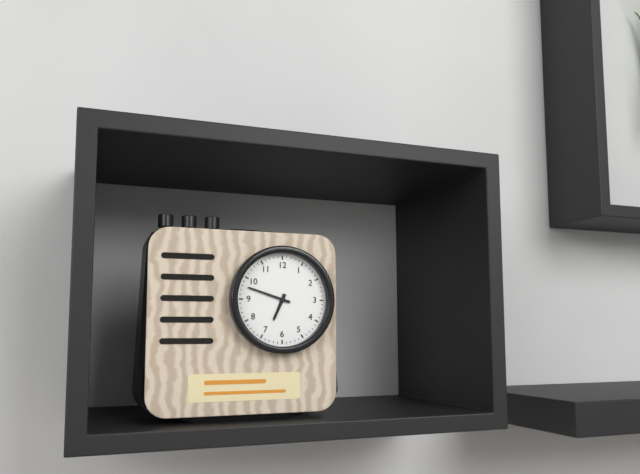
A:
6 h 48 min
